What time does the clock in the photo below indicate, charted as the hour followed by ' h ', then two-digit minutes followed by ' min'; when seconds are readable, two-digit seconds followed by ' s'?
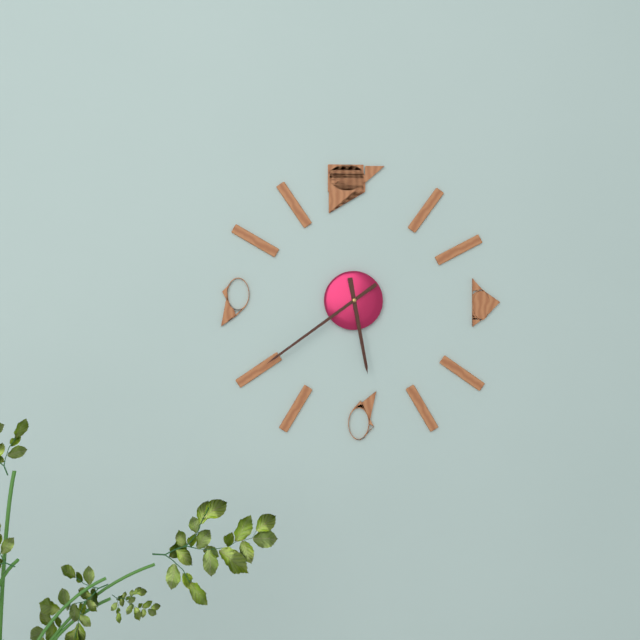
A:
5 h 39 min
